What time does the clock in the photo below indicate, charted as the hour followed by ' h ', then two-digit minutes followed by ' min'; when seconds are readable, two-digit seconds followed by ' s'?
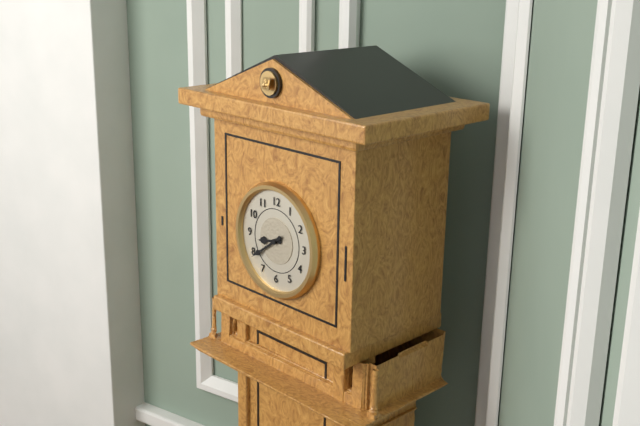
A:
8 h 39 min
